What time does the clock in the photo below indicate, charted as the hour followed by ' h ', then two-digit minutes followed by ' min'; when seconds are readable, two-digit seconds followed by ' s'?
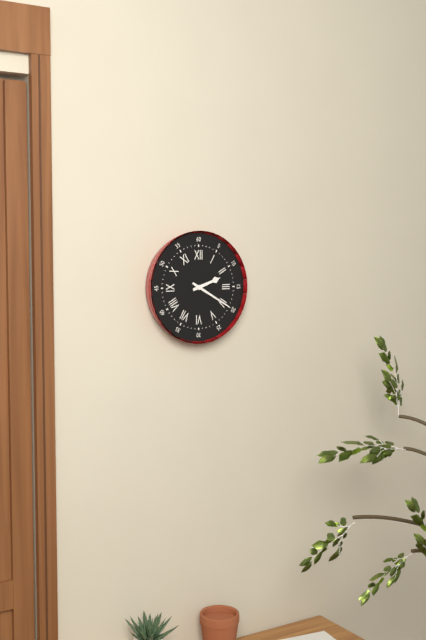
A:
2 h 20 min
